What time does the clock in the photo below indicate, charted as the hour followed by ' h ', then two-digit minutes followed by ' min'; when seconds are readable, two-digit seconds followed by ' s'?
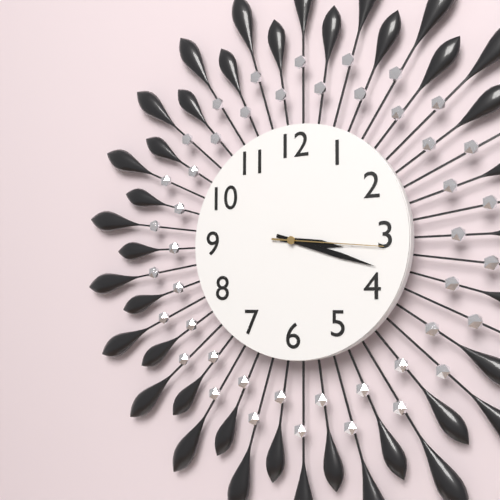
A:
3 h 18 min 16 s
